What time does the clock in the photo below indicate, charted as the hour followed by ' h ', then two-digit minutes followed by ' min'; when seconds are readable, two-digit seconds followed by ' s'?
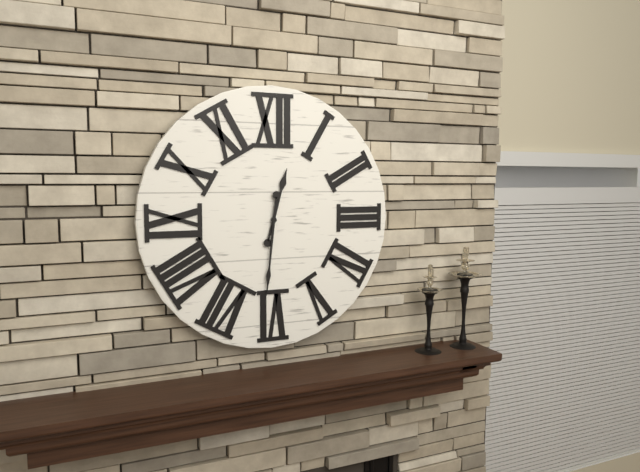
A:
12 h 31 min
